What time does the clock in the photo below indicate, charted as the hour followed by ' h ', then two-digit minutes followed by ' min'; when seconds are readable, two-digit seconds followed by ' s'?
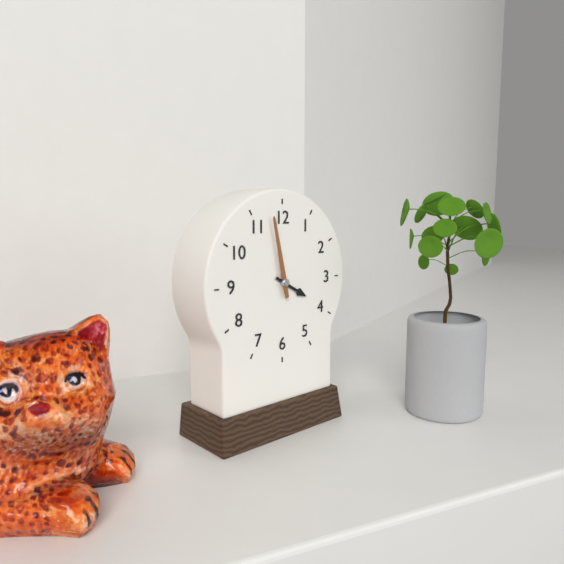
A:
3 h 58 min
